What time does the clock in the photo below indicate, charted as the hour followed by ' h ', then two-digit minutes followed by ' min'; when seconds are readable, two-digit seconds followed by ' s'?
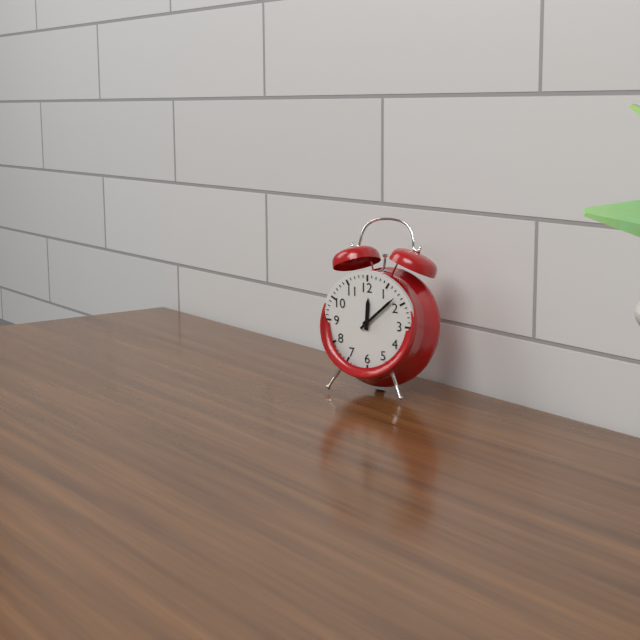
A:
12 h 08 min
